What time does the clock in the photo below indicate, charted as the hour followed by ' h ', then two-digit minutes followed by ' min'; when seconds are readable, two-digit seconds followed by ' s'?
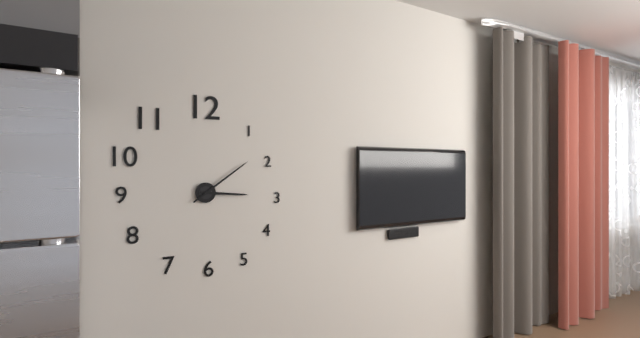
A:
3 h 09 min
